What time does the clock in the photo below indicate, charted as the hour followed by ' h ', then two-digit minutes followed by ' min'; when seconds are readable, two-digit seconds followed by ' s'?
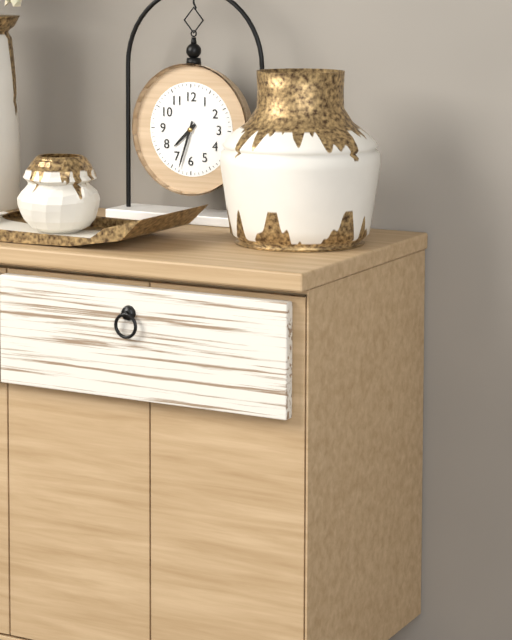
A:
7 h 33 min
